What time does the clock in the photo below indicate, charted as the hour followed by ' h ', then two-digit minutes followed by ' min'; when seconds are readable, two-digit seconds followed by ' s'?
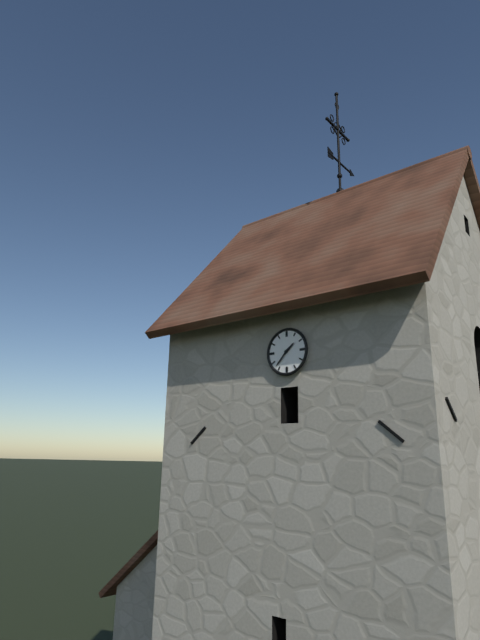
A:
1 h 37 min
